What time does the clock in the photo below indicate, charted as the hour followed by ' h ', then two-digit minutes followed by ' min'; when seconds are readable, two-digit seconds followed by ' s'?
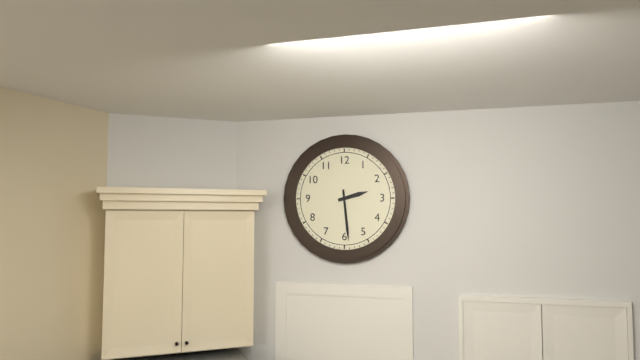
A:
2 h 29 min
